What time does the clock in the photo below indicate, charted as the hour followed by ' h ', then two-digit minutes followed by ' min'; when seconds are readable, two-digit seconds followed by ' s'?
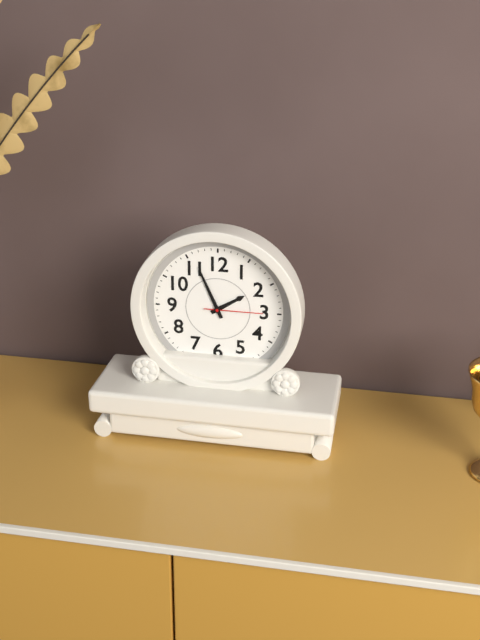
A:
1 h 56 min 15 s
